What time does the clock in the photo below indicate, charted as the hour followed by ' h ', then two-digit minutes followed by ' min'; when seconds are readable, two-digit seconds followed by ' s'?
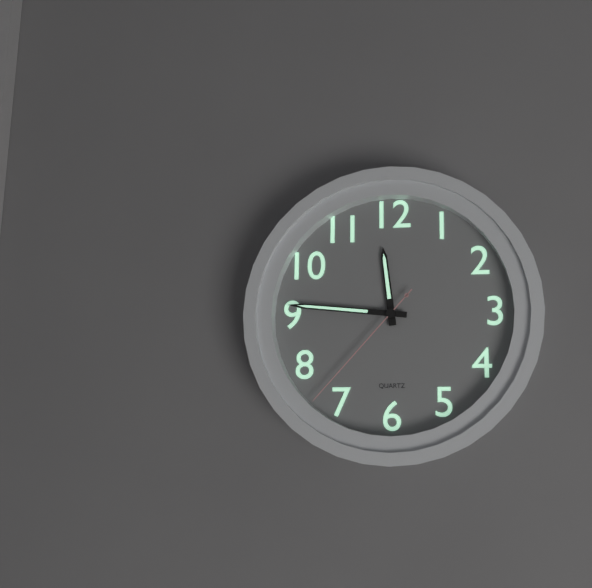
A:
11 h 46 min 37 s
